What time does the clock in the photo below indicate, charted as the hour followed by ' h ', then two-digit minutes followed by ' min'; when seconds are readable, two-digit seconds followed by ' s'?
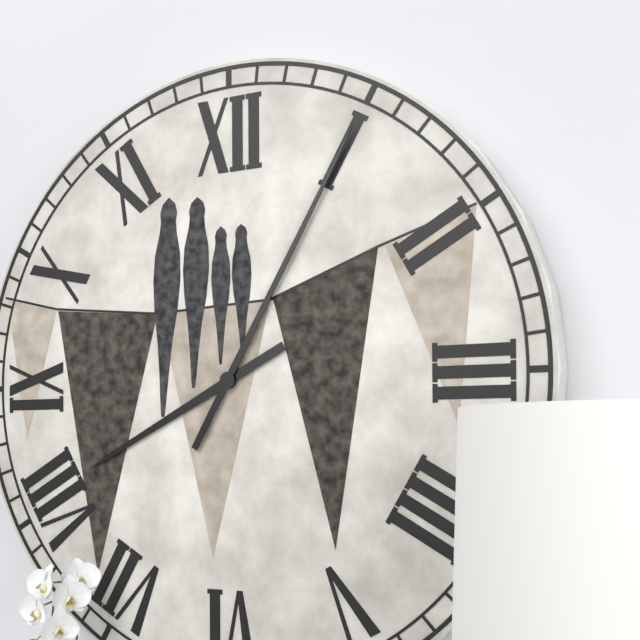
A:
8 h 05 min
